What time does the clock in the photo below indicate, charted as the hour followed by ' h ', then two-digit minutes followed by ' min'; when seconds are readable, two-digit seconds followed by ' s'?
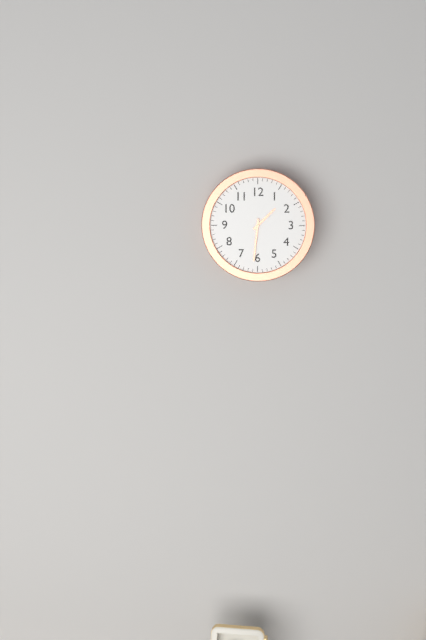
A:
1 h 31 min
